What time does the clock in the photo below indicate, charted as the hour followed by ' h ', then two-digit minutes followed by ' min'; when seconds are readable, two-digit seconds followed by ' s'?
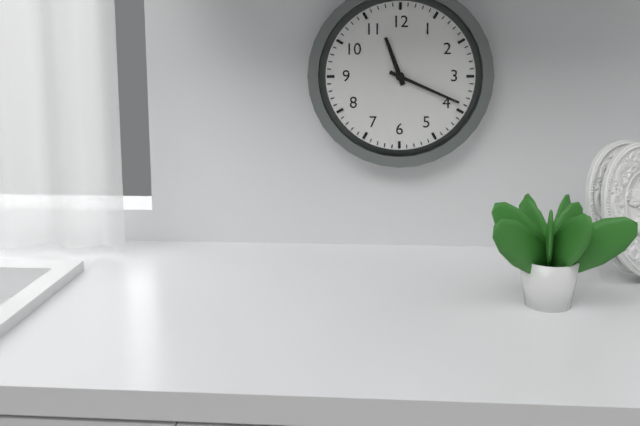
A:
11 h 19 min
